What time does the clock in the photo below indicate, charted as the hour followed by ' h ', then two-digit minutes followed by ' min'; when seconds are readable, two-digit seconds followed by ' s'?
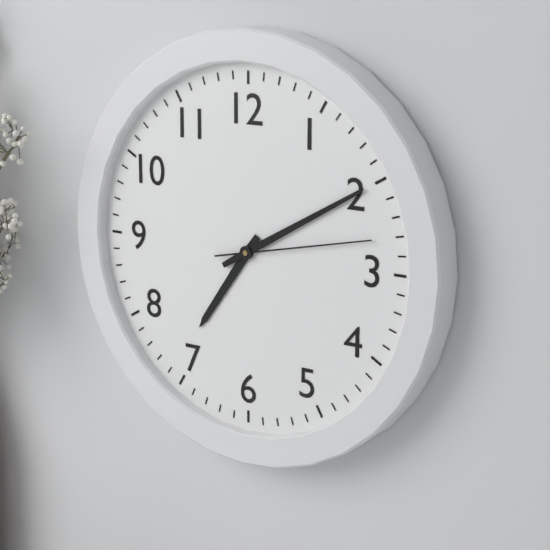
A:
7 h 10 min 13 s
